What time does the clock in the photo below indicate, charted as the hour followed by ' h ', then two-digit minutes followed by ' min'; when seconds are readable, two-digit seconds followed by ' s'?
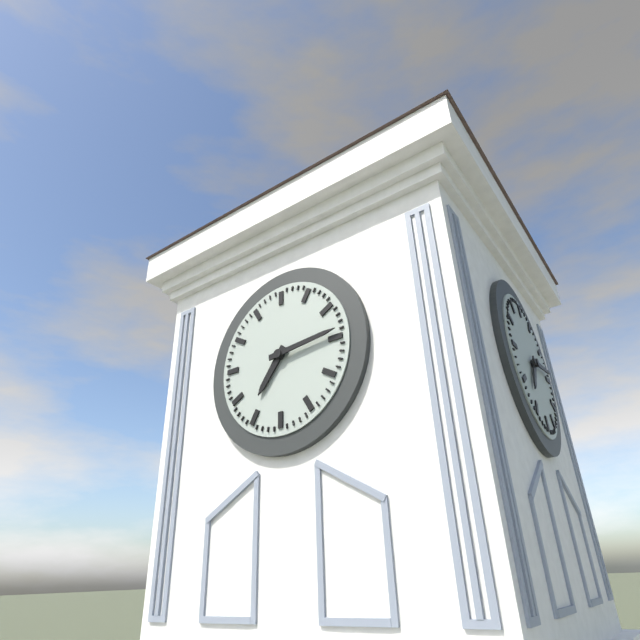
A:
7 h 14 min
